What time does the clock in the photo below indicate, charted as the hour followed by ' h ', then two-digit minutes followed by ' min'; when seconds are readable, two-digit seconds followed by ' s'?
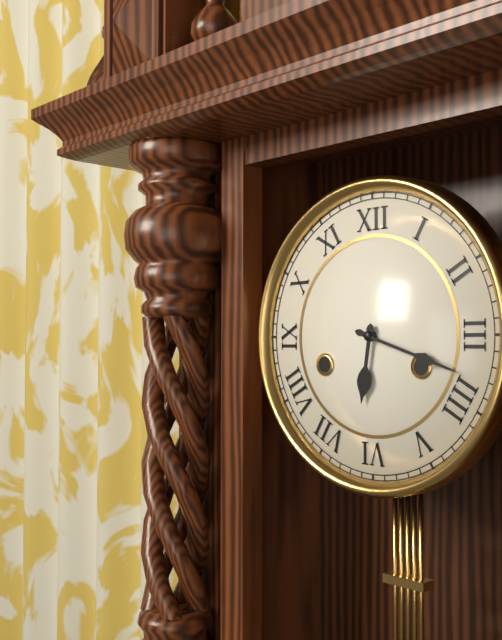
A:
6 h 18 min
